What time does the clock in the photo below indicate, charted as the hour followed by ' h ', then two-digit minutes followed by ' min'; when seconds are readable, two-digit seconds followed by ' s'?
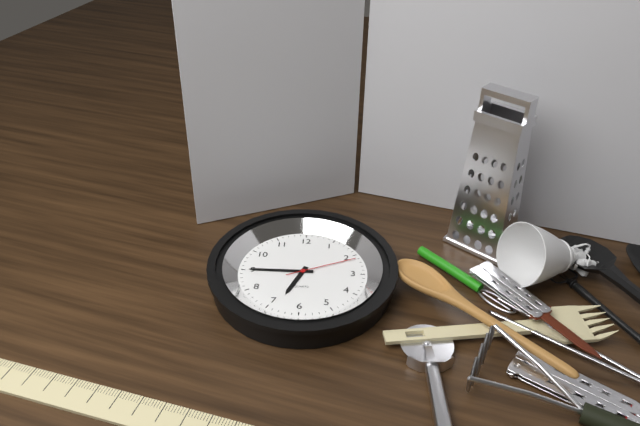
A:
6 h 45 min 11 s
